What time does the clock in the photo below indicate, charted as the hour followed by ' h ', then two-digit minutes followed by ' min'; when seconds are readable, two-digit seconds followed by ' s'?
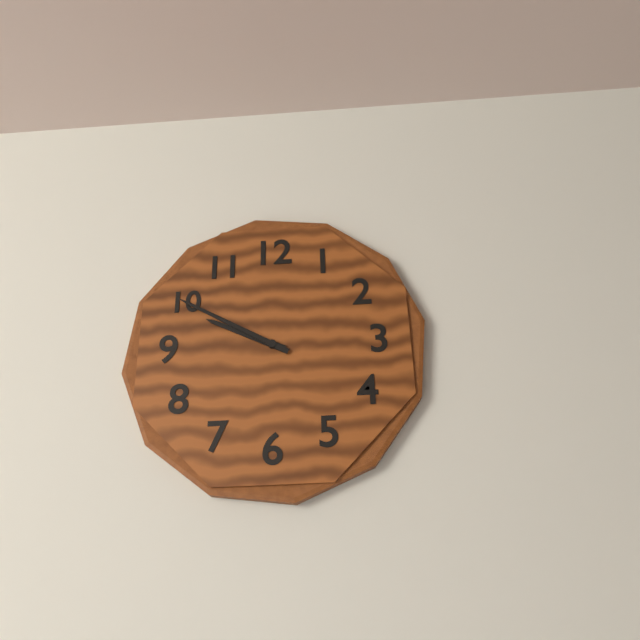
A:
9 h 50 min
